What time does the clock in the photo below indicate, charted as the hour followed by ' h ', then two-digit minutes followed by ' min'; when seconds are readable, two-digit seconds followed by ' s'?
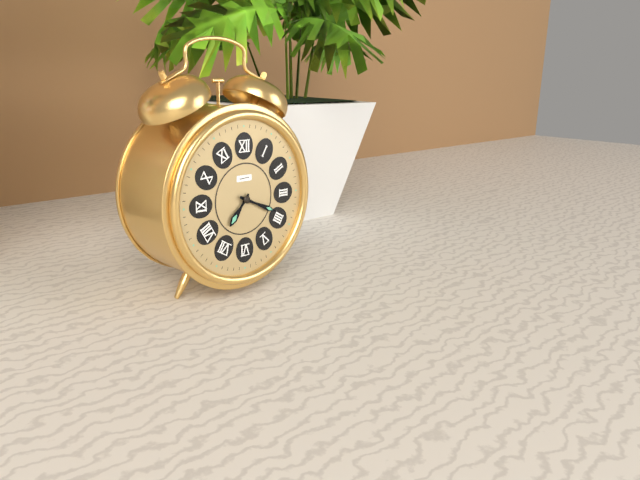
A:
7 h 19 min
